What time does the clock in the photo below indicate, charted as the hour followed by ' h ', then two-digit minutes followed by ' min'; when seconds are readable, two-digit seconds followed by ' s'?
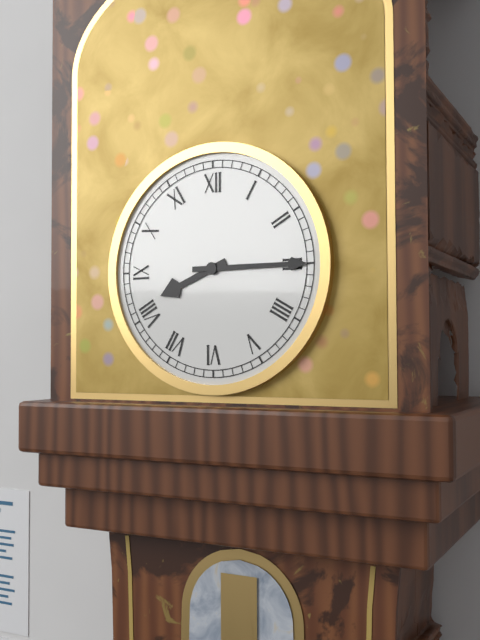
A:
8 h 15 min
